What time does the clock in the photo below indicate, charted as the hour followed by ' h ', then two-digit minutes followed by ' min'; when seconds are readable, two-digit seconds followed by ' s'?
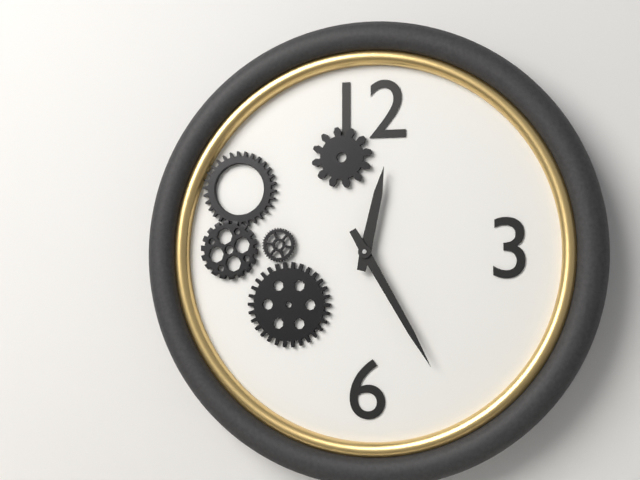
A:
12 h 25 min
